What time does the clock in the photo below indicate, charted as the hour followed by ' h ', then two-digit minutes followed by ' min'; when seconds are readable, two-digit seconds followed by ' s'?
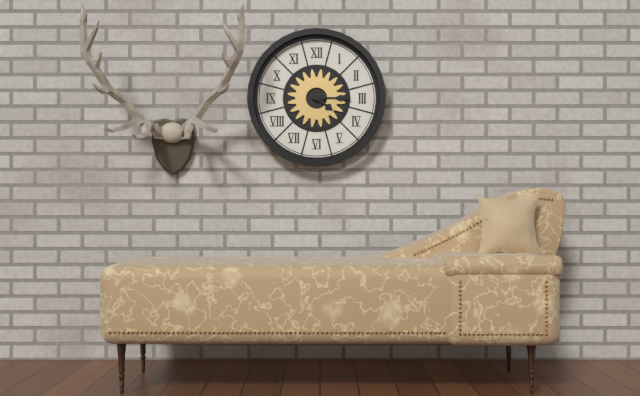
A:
4 h 15 min
